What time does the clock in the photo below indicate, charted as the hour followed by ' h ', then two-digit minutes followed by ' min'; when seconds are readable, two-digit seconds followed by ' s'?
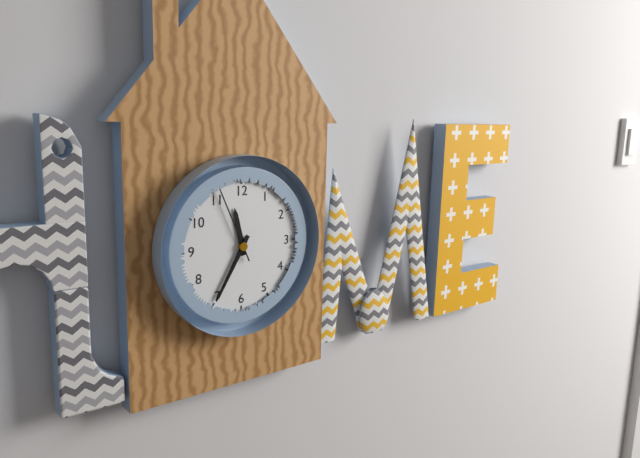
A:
11 h 35 min 56 s
